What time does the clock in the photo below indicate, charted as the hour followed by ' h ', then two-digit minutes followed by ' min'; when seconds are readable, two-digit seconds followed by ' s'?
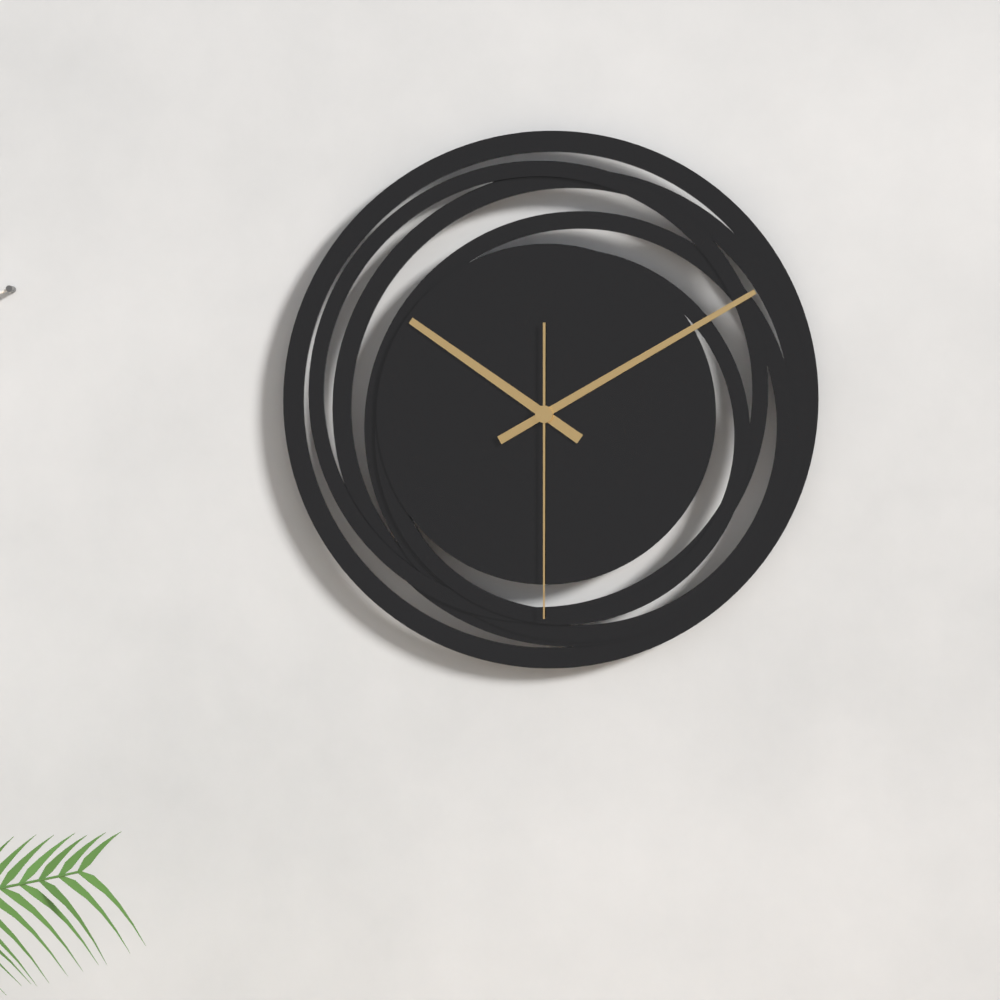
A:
10 h 10 min 30 s
